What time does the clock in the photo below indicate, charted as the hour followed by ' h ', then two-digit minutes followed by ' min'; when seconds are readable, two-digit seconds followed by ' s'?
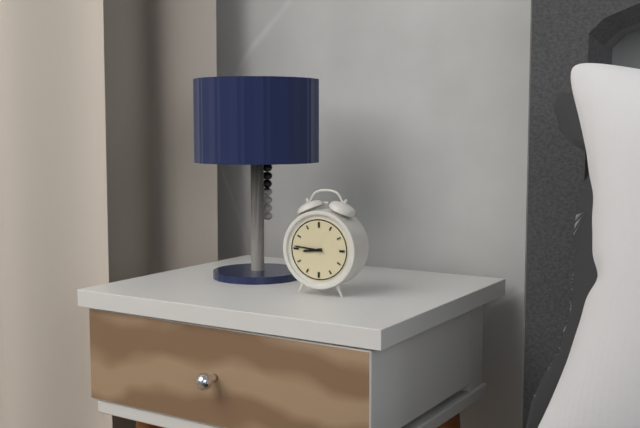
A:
8 h 46 min
